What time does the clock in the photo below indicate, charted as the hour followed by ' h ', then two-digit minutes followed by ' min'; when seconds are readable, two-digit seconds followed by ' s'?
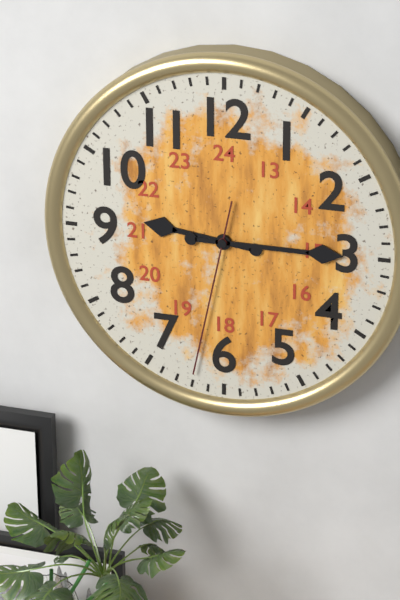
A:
9 h 15 min 32 s
